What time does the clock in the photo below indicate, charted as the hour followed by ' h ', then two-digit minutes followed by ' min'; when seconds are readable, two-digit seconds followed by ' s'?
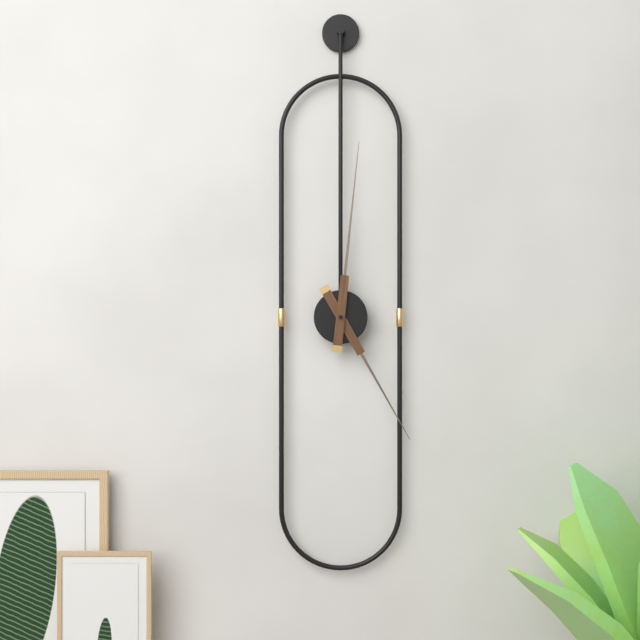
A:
5 h 01 min
